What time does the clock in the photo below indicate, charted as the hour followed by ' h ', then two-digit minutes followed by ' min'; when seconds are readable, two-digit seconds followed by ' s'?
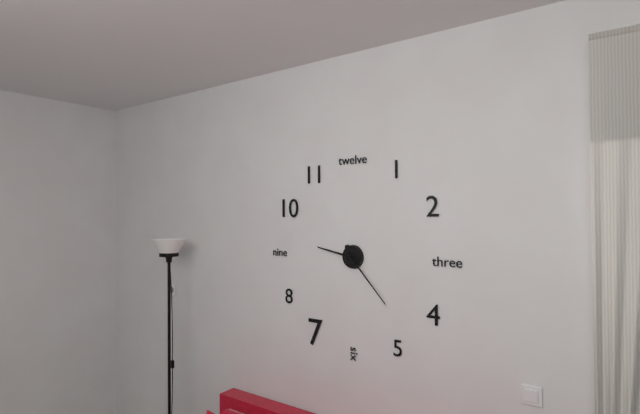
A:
9 h 23 min
